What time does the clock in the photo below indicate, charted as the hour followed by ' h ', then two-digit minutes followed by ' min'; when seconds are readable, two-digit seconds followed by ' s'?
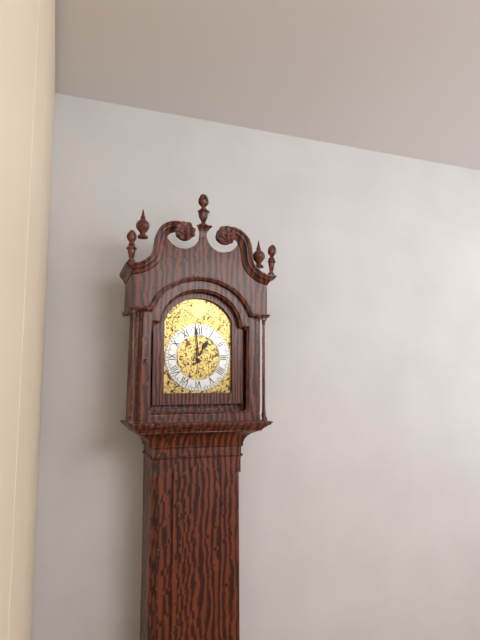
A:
12 h 59 min
